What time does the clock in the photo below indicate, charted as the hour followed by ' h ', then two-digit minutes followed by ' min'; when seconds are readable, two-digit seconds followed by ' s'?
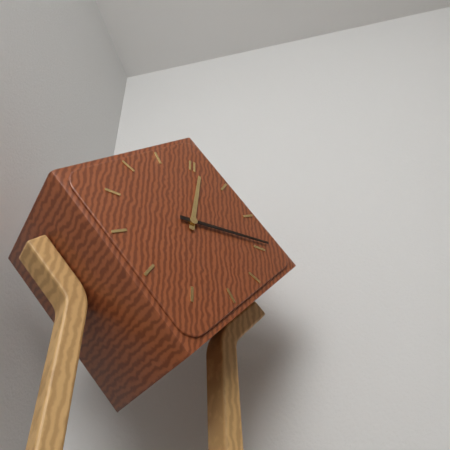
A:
12 h 14 min
